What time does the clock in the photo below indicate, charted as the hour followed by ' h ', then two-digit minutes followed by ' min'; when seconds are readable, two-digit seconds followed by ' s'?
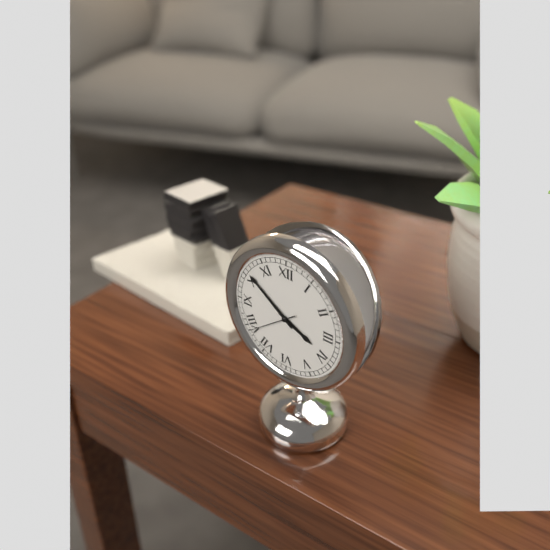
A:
3 h 51 min
